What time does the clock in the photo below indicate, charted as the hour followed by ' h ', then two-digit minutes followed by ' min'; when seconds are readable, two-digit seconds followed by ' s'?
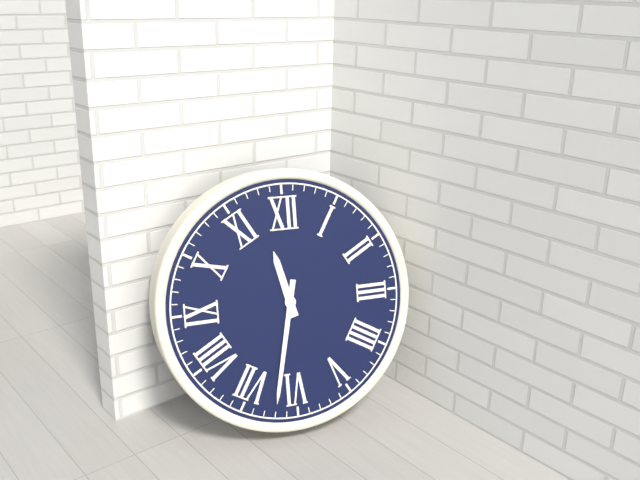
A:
11 h 32 min
